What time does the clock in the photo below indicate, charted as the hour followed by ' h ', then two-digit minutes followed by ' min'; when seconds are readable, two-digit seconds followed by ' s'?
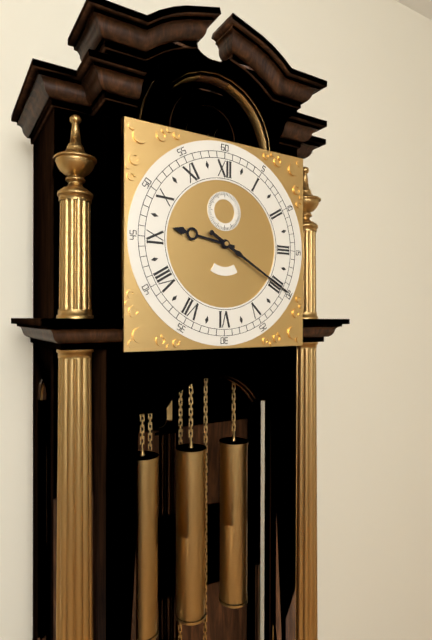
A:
9 h 20 min
